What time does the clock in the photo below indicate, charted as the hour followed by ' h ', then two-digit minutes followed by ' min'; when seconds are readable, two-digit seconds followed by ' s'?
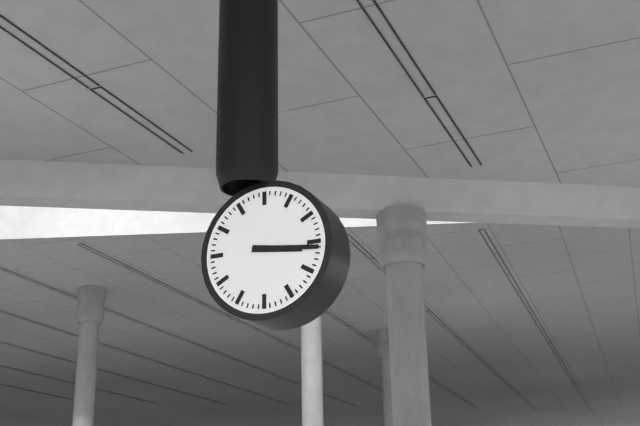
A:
3 h 16 min
